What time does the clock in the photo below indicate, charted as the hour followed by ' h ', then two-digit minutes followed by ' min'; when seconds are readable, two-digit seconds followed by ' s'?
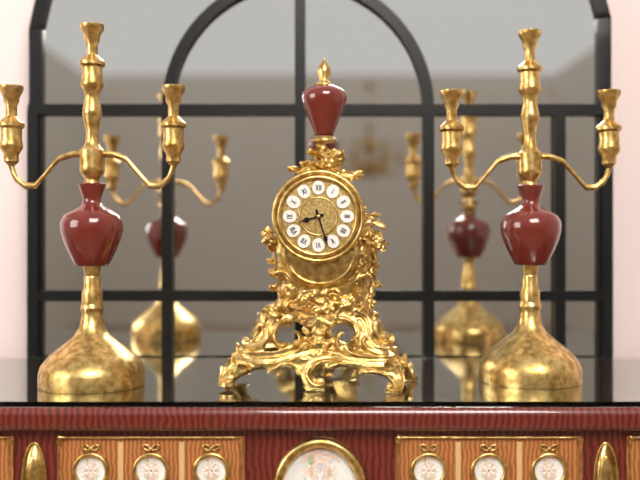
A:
8 h 27 min
